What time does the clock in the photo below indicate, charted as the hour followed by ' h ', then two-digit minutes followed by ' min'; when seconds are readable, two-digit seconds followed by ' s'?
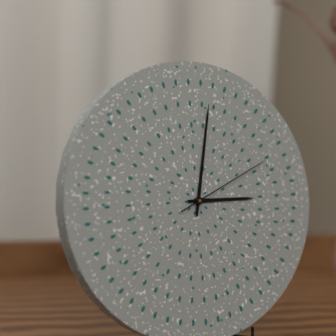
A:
3 h 02 min 11 s
